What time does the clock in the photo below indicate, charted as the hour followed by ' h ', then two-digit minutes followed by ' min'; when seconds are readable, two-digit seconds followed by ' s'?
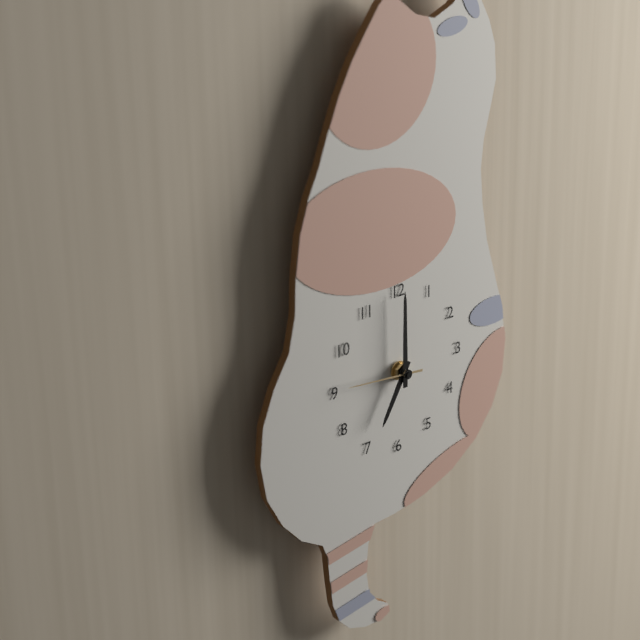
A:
7 h 00 min 46 s
